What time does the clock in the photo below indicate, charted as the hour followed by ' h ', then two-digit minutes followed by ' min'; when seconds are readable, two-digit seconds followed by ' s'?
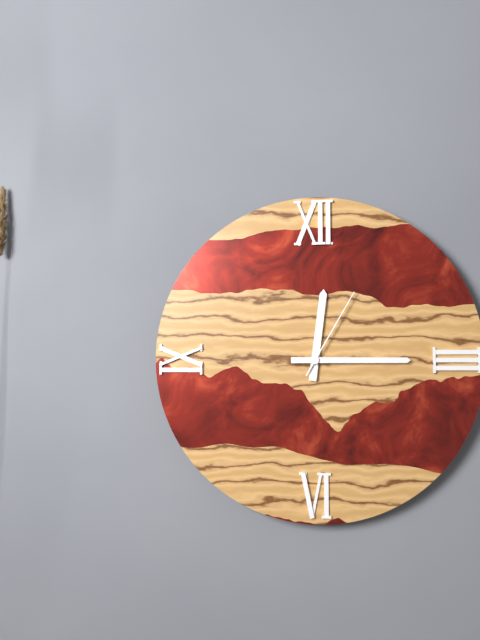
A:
12 h 15 min 05 s
